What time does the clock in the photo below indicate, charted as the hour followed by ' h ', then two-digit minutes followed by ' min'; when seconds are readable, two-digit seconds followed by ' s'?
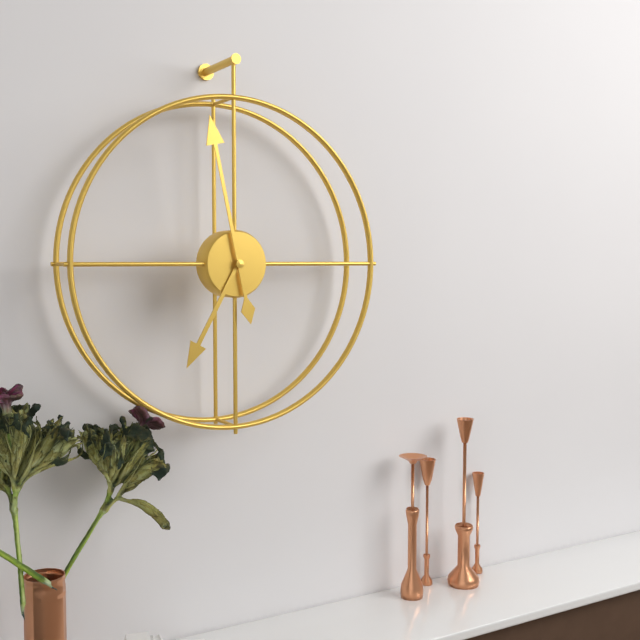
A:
6 h 58 min
